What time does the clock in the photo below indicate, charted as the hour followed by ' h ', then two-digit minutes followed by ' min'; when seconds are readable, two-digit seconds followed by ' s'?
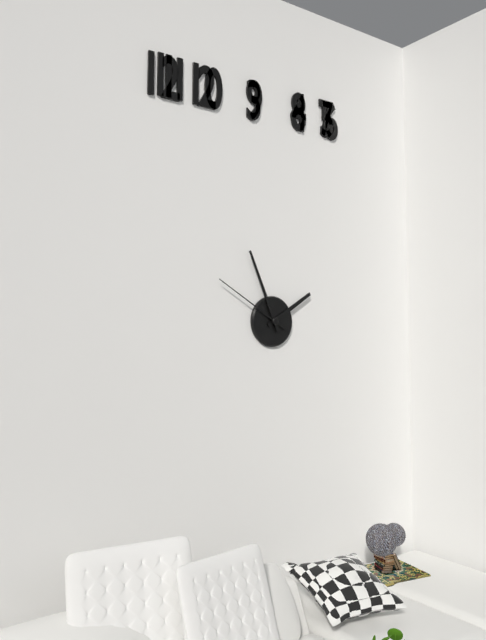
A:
1 h 56 min 50 s
